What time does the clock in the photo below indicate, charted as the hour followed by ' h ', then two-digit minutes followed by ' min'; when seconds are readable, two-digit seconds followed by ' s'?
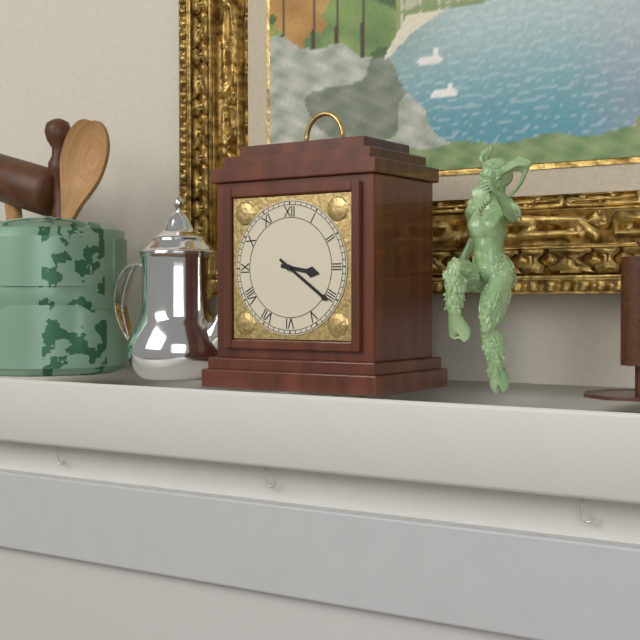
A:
3 h 21 min
